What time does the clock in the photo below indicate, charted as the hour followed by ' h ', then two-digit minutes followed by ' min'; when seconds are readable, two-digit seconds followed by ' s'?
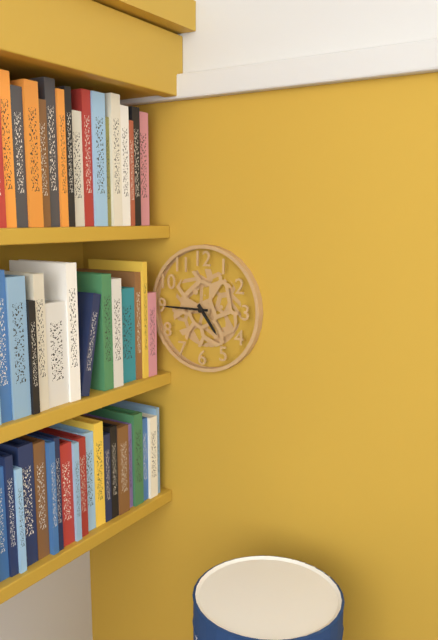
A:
4 h 45 min
